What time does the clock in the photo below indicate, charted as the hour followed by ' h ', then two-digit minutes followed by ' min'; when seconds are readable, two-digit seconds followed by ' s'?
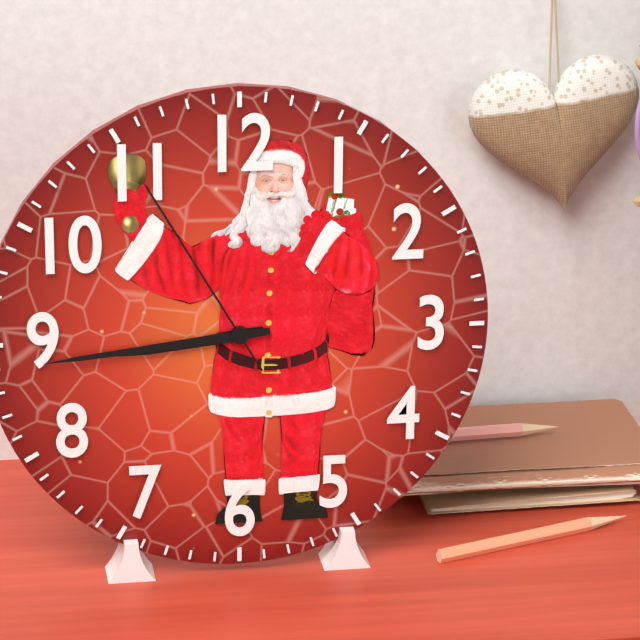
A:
8 h 44 min 55 s
